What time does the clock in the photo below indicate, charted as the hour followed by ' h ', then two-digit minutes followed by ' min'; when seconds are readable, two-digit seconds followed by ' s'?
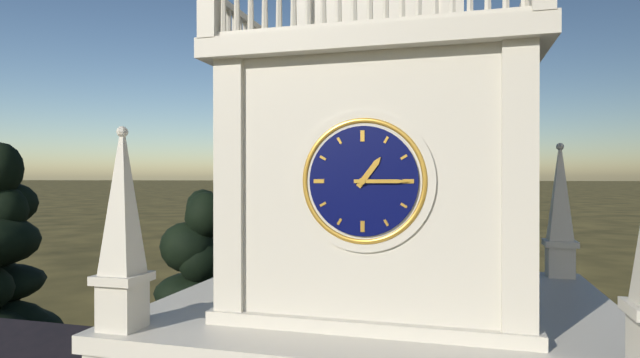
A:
1 h 15 min
